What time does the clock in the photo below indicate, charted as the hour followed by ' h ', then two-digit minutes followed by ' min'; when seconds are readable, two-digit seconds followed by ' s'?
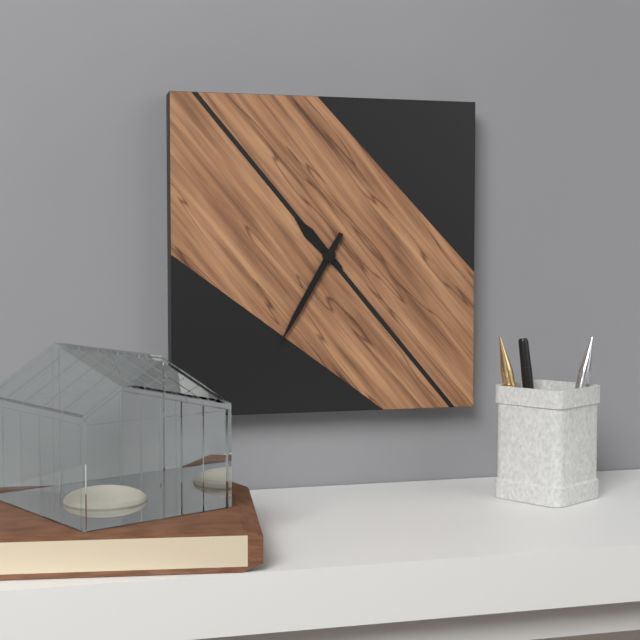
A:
10 h 35 min
